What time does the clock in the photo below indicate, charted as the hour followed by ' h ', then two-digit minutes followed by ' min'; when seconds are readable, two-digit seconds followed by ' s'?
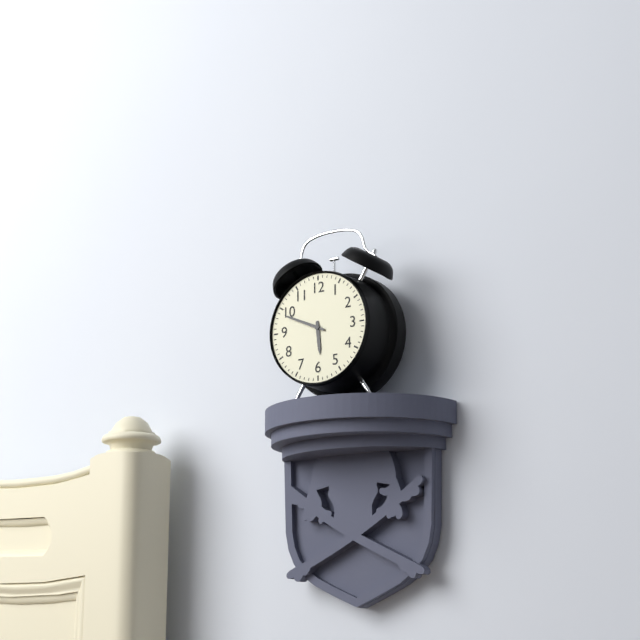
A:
5 h 49 min
